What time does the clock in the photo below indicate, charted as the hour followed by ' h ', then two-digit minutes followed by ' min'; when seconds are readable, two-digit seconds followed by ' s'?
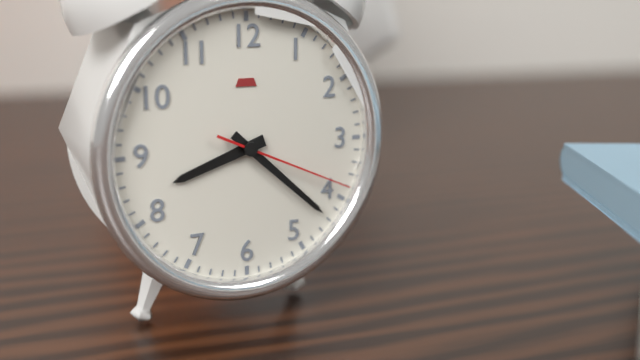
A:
8 h 22 min 19 s
